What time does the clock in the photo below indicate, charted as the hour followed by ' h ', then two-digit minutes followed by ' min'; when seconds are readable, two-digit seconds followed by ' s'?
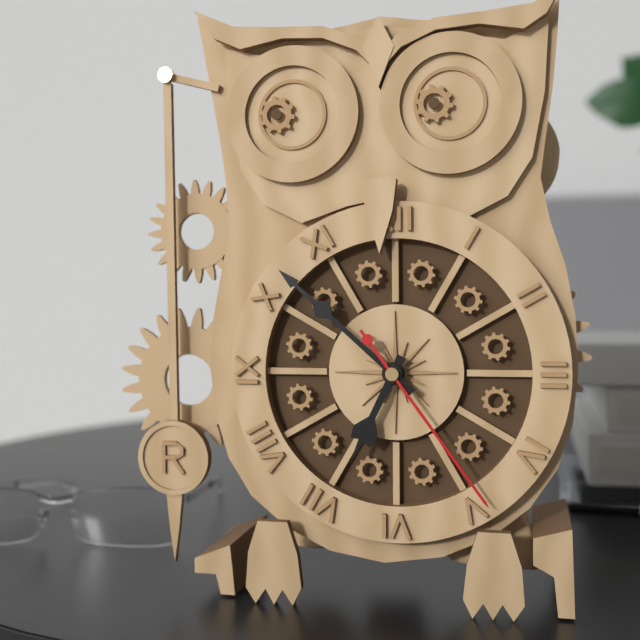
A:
6 h 52 min 24 s
